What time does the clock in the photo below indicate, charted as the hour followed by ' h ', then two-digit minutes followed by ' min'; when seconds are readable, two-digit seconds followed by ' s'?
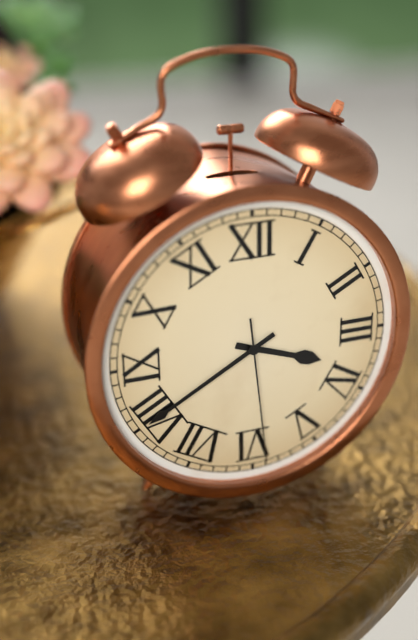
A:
3 h 40 min 29 s
